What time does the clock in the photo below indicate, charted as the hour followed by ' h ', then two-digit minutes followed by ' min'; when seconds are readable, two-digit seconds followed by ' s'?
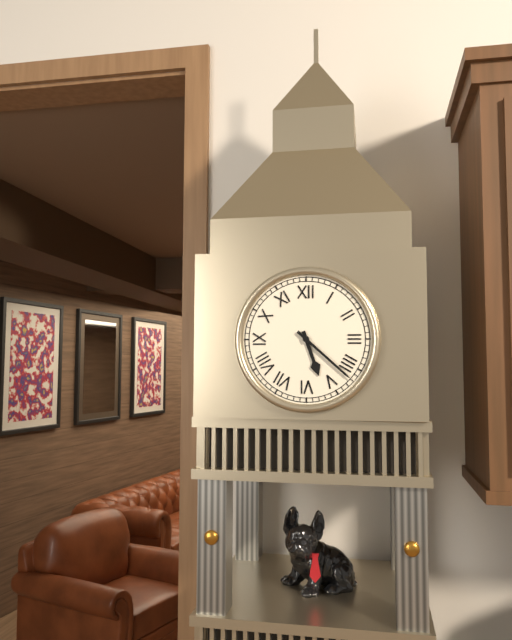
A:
5 h 22 min
